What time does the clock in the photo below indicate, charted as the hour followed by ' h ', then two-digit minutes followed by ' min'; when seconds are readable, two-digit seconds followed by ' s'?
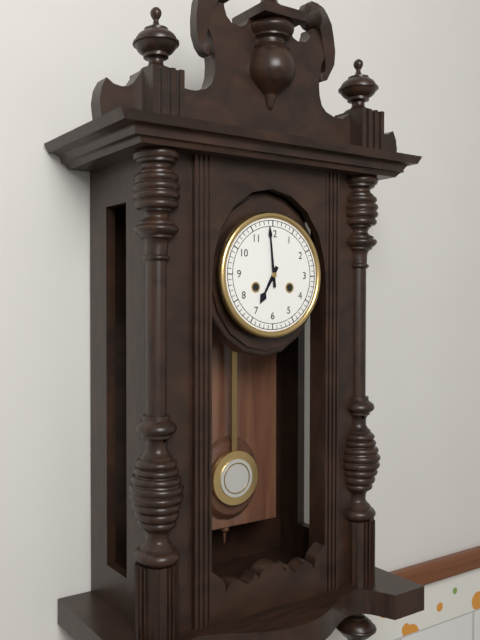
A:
6 h 59 min
